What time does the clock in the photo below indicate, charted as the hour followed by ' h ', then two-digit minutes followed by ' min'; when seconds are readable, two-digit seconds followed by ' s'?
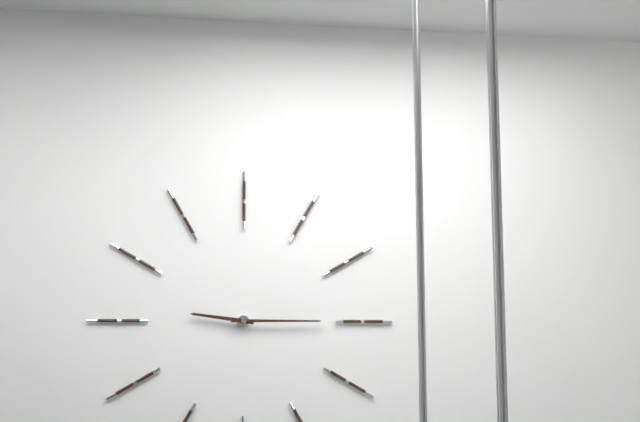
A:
9 h 15 min
